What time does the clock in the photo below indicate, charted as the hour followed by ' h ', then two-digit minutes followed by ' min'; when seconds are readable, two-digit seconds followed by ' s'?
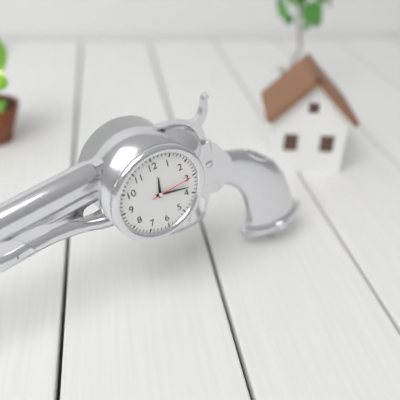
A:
12 h 18 min
